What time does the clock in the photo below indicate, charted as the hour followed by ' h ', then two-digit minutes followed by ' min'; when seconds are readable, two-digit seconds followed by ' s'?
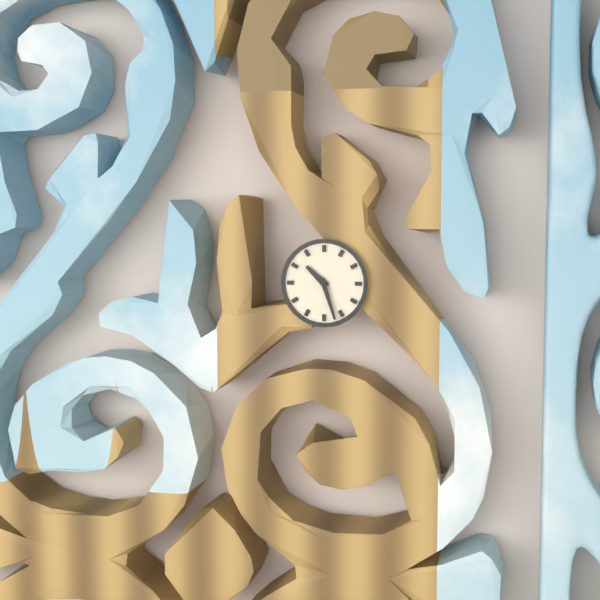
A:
10 h 27 min
